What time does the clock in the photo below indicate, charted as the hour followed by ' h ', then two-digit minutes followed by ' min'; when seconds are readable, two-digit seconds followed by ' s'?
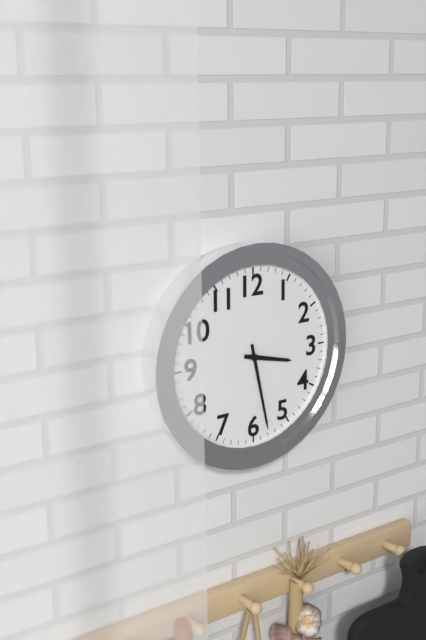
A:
3 h 28 min
